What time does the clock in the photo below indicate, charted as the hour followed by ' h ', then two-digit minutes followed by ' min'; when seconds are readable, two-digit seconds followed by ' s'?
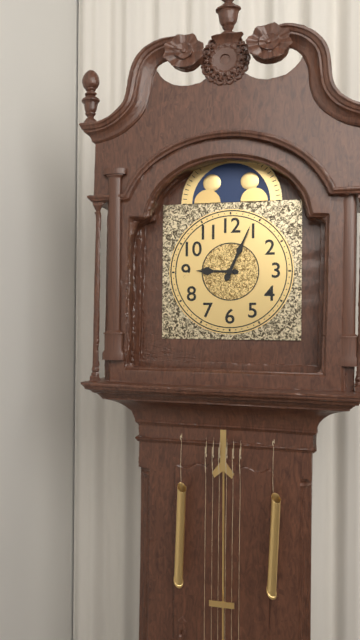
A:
9 h 04 min
